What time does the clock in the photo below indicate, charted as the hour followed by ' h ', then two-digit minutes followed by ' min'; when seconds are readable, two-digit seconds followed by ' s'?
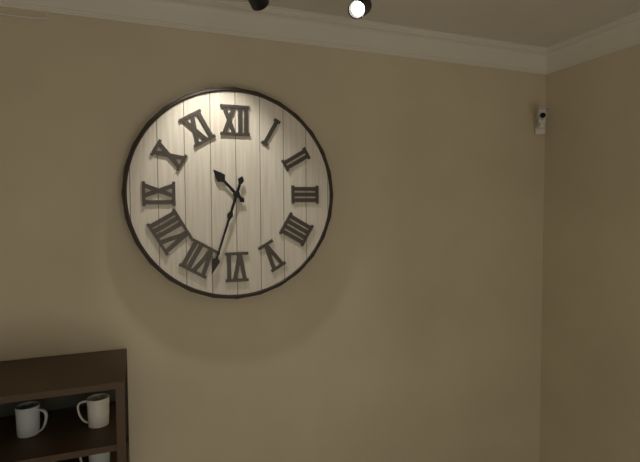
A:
10 h 33 min
